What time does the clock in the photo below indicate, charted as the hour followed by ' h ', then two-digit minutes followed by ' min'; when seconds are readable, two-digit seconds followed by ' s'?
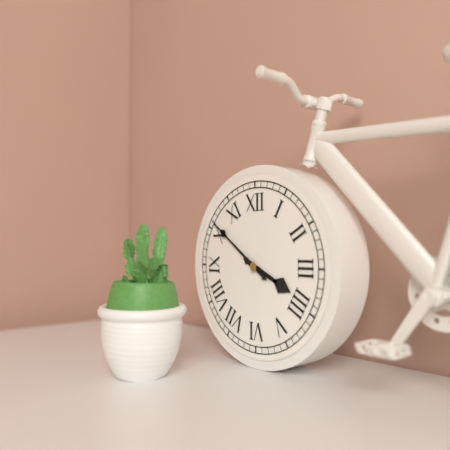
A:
3 h 51 min
